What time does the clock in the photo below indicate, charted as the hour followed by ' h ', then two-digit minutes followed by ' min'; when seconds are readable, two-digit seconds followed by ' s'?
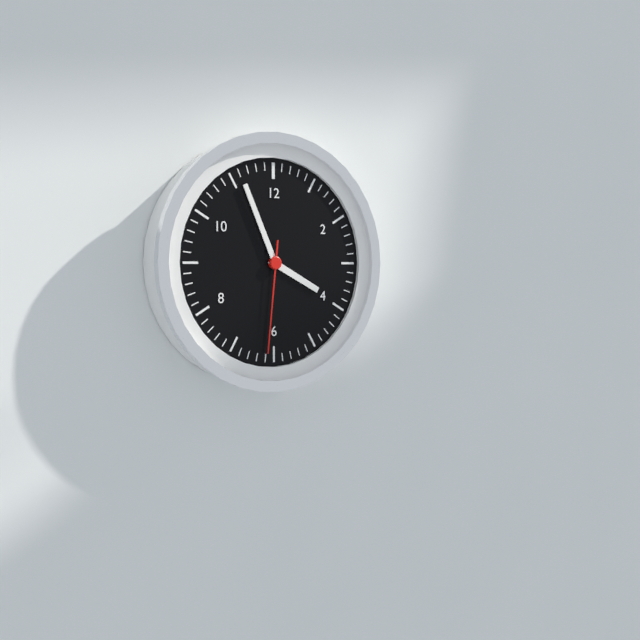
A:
3 h 56 min 31 s
